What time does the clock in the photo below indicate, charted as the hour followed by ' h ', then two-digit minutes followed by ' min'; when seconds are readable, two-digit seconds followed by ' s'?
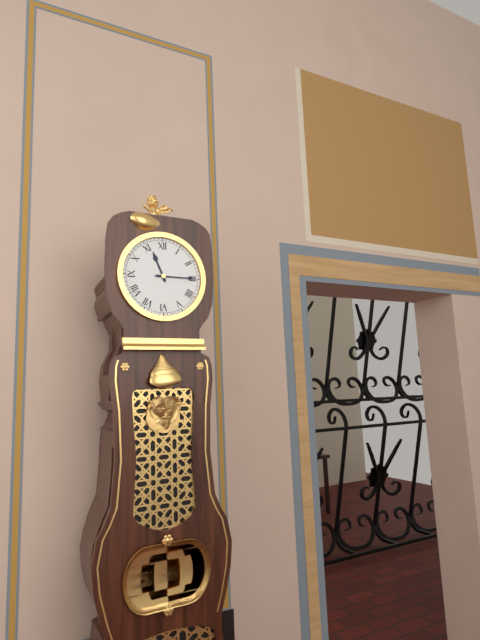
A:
11 h 15 min
